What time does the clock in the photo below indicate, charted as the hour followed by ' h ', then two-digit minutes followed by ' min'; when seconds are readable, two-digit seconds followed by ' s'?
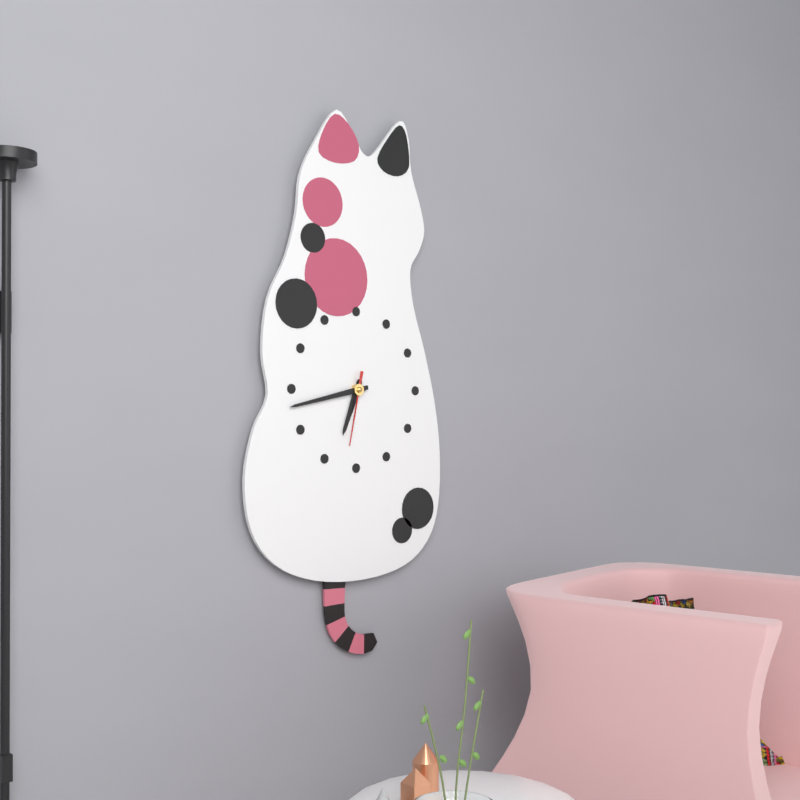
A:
6 h 43 min 32 s
